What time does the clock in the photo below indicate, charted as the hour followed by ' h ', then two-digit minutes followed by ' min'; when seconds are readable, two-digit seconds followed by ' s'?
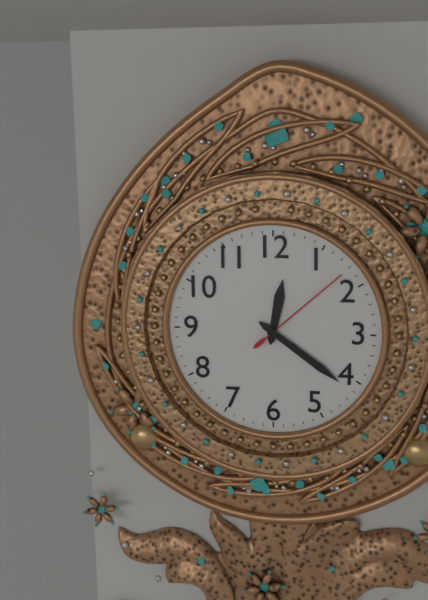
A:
12 h 21 min 08 s
